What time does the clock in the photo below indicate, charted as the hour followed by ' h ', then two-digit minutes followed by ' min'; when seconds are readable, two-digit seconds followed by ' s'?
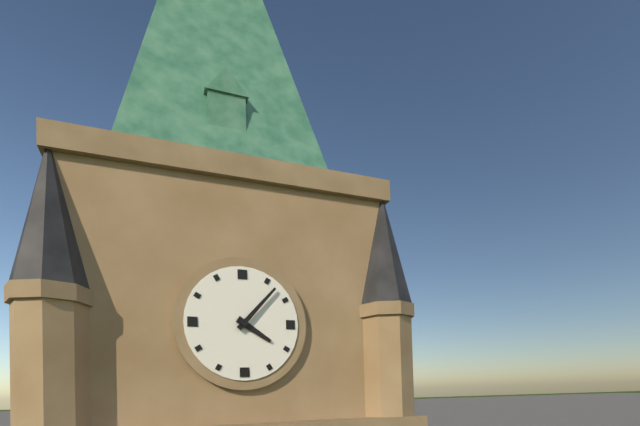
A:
4 h 07 min
